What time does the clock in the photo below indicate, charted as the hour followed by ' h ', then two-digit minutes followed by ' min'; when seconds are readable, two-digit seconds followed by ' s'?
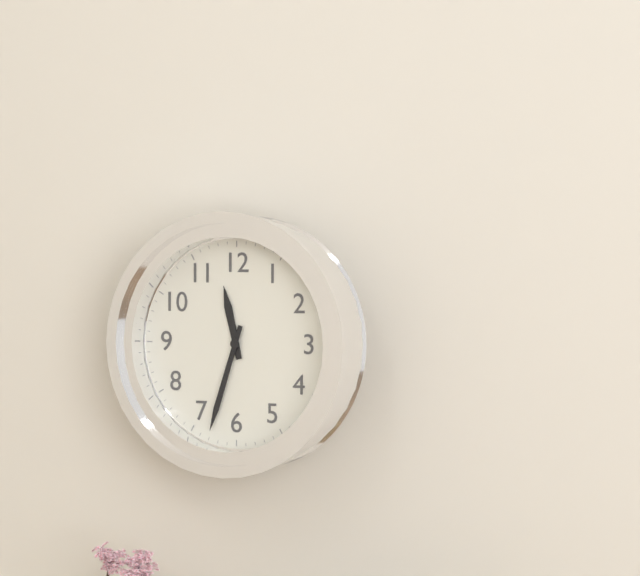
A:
11 h 33 min
